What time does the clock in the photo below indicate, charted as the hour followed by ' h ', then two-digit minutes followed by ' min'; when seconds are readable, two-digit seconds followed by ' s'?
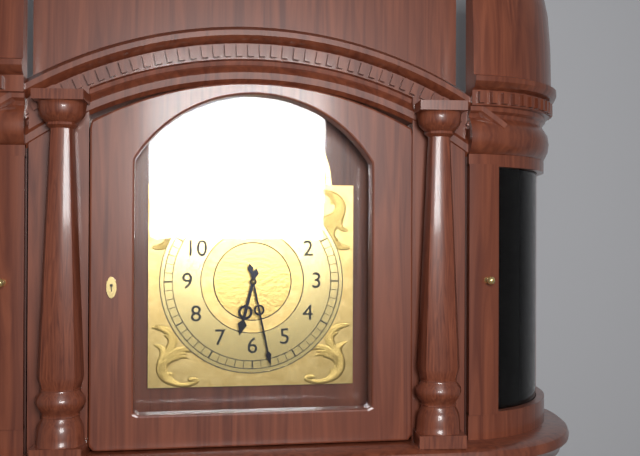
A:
6 h 28 min
